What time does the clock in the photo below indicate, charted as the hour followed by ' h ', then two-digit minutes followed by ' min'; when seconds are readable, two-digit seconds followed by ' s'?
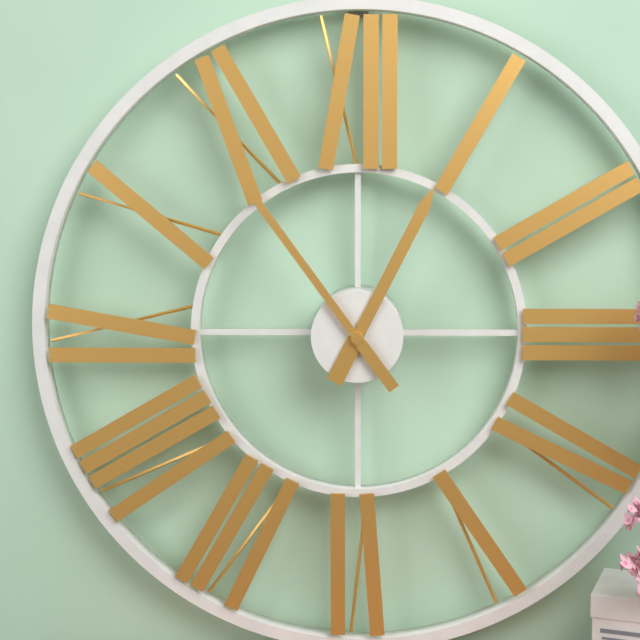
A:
12 h 54 min
